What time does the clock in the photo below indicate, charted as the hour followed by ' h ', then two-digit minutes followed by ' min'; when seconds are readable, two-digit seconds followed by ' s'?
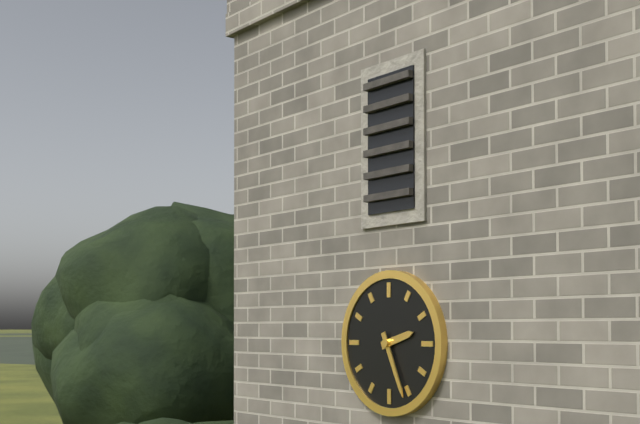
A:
2 h 26 min
